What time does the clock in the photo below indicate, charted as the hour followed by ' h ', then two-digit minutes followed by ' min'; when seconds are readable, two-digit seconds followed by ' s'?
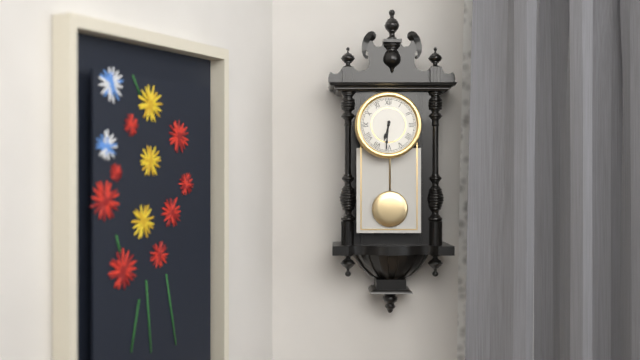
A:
6 h 31 min
